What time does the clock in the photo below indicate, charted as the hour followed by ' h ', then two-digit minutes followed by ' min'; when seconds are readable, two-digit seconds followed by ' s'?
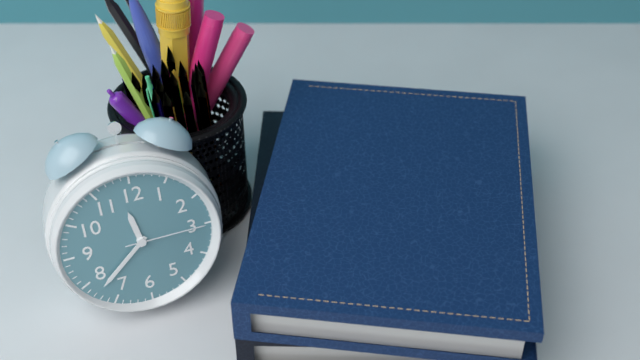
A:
11 h 38 min 15 s
